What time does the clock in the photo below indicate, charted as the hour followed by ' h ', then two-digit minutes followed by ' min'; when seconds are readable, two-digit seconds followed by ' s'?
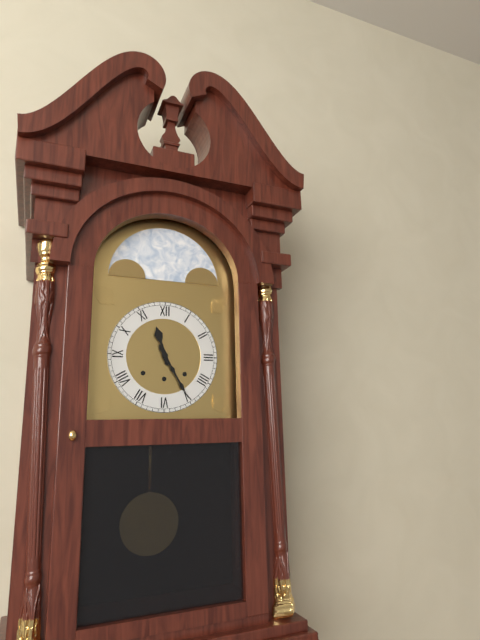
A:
11 h 25 min
